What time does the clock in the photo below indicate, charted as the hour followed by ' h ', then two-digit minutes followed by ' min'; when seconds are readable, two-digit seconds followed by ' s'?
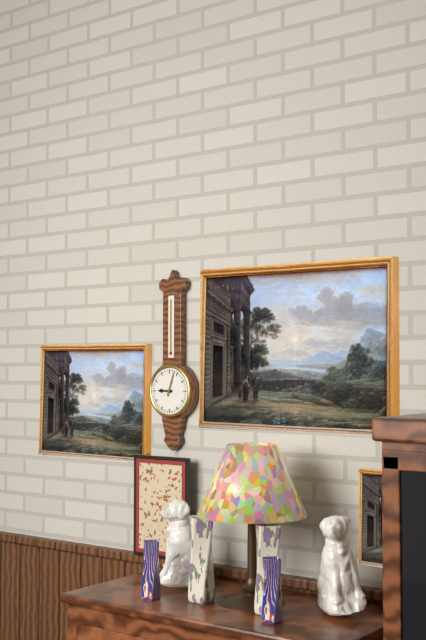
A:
9 h 03 min
